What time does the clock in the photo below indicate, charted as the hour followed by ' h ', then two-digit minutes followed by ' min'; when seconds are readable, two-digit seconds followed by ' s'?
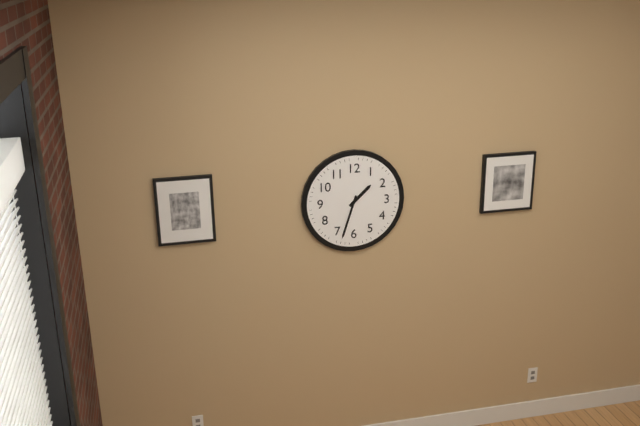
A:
1 h 33 min
